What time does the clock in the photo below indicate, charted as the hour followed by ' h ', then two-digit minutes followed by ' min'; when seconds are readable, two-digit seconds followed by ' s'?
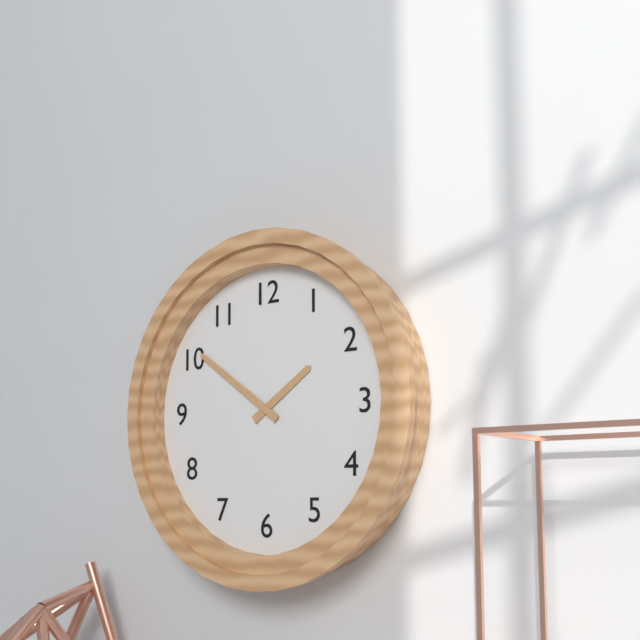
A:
1 h 51 min
